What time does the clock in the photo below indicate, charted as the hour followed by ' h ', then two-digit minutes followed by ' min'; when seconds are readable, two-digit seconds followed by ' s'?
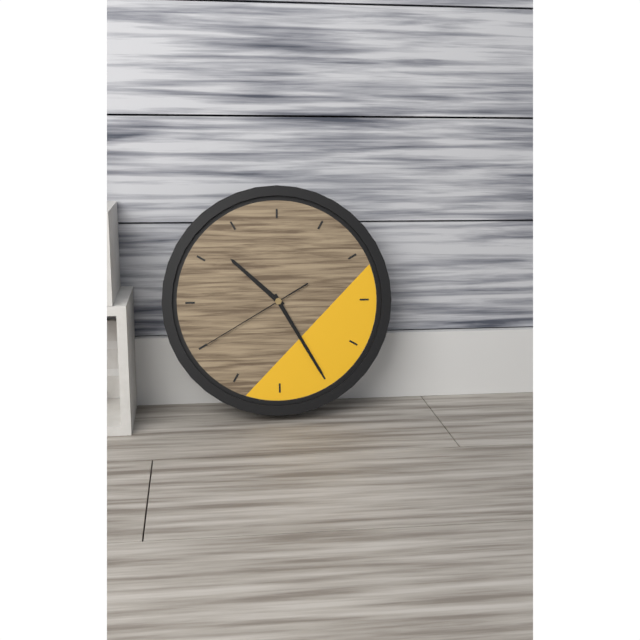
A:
10 h 25 min 40 s
